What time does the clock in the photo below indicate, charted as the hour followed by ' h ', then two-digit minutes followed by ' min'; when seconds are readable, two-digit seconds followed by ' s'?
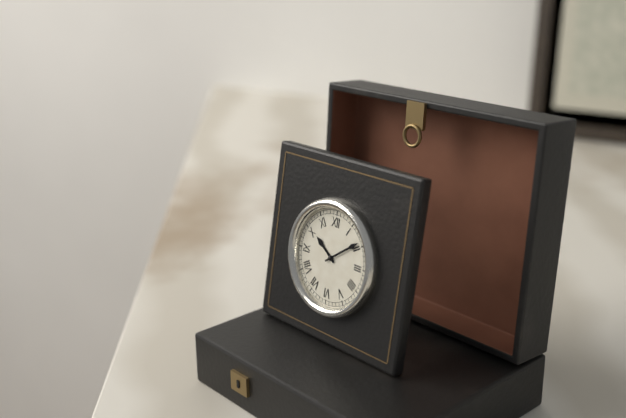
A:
10 h 09 min
